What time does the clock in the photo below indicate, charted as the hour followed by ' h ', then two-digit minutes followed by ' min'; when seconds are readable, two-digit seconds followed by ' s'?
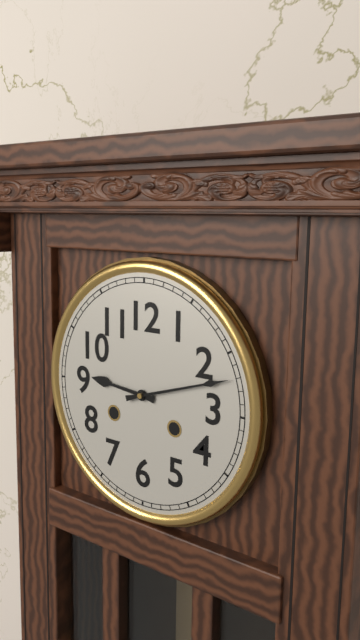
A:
9 h 12 min
